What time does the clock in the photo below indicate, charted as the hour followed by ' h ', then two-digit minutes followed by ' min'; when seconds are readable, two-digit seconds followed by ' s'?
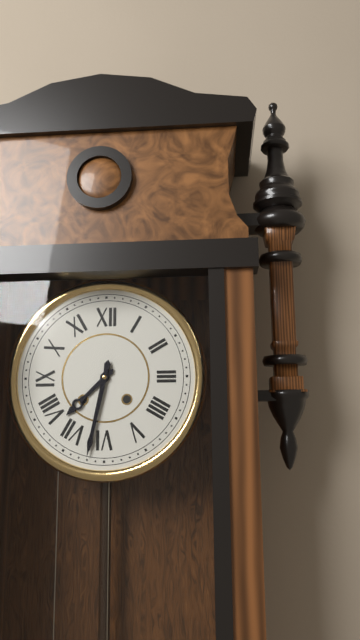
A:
7 h 32 min
